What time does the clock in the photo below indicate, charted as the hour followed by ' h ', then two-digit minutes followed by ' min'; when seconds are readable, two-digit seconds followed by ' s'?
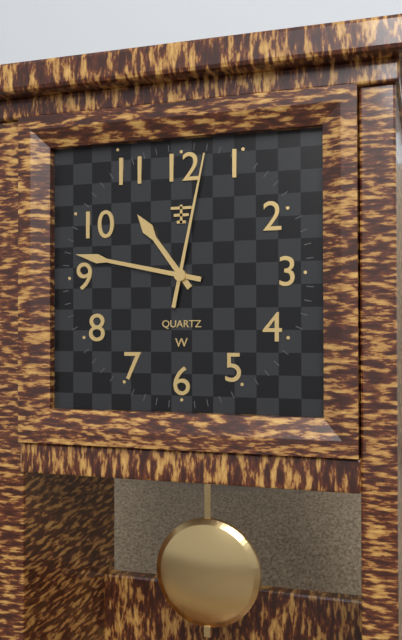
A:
10 h 47 min 02 s
